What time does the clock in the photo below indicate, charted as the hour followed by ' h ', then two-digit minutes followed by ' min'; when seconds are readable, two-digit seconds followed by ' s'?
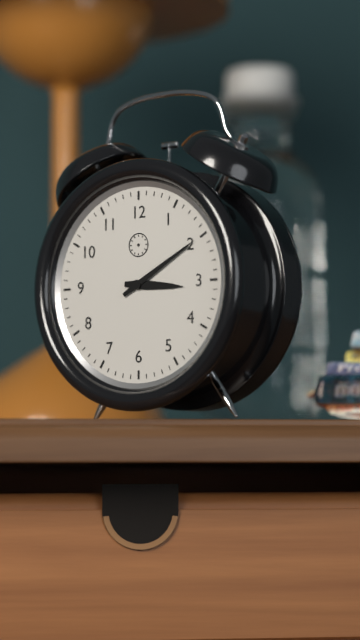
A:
3 h 10 min
